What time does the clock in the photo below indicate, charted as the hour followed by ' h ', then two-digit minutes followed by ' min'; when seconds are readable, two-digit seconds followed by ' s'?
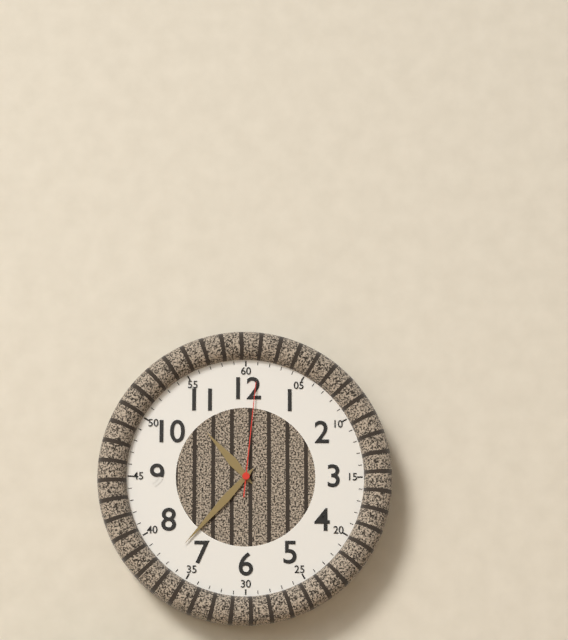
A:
10 h 37 min 01 s
